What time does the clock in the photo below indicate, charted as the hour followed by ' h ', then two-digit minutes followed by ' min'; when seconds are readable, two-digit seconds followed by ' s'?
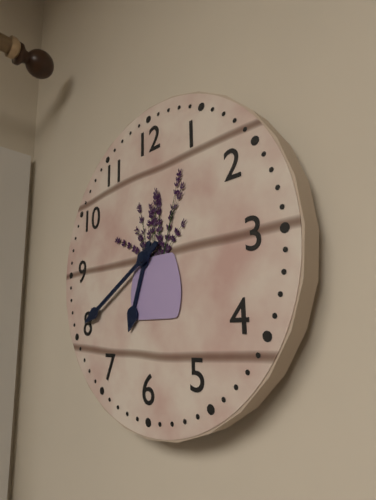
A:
6 h 40 min
